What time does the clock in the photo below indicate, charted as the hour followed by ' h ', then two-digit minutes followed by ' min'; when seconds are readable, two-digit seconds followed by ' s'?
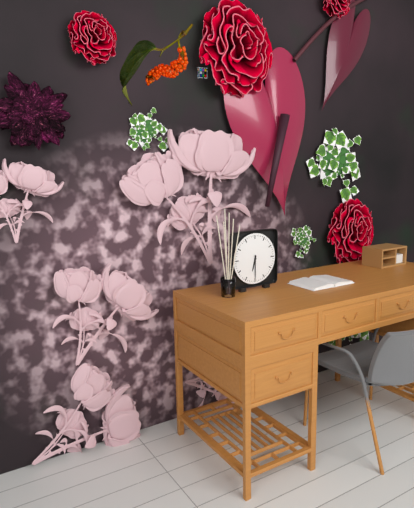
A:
6 h 30 min
